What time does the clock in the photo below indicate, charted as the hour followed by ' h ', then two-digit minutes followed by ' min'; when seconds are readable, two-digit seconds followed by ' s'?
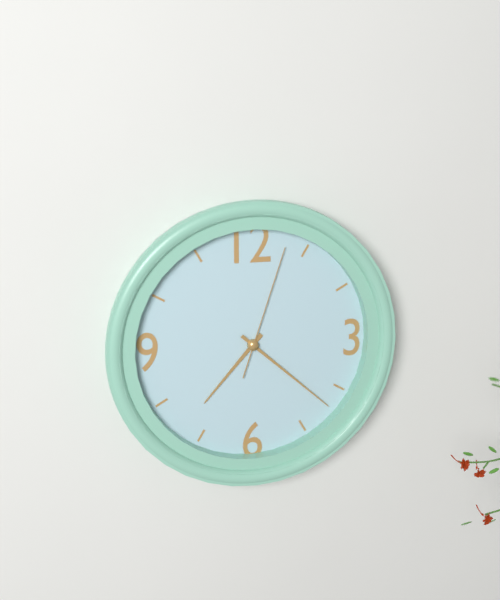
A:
7 h 22 min 03 s
